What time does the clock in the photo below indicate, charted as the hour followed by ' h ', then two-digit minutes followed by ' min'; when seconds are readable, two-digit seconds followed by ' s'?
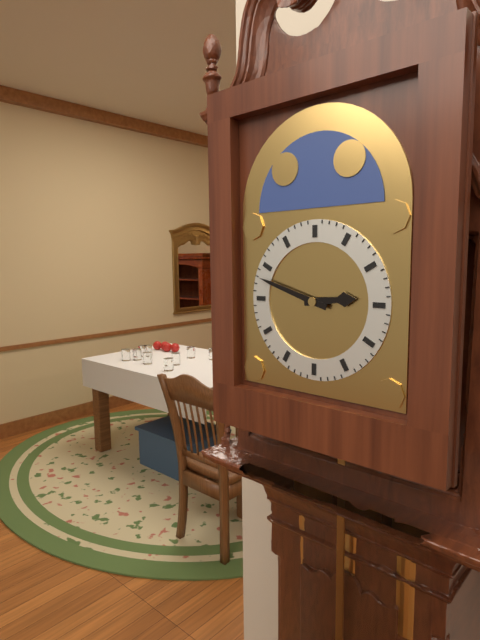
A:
2 h 48 min
